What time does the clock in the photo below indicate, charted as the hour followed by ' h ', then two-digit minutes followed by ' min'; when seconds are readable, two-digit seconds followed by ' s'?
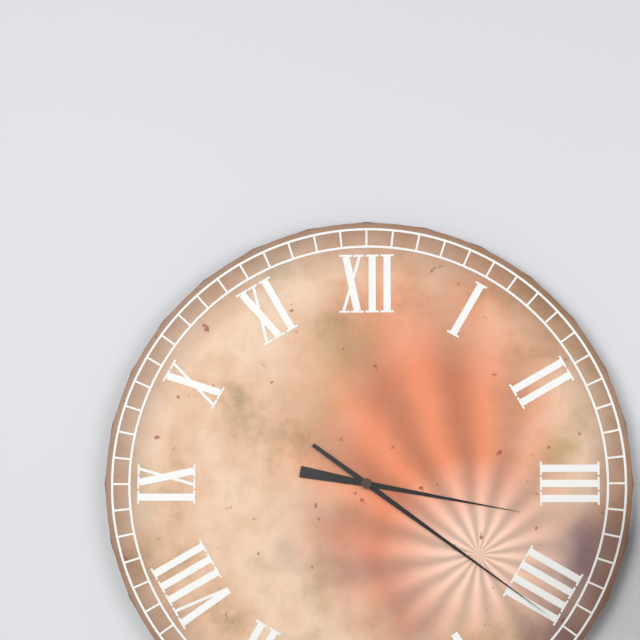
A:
3 h 21 min
